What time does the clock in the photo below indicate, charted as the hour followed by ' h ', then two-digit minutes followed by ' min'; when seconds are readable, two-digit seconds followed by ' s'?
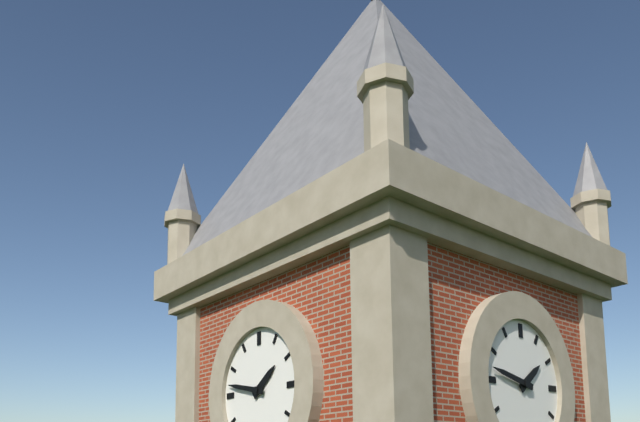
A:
1 h 47 min
